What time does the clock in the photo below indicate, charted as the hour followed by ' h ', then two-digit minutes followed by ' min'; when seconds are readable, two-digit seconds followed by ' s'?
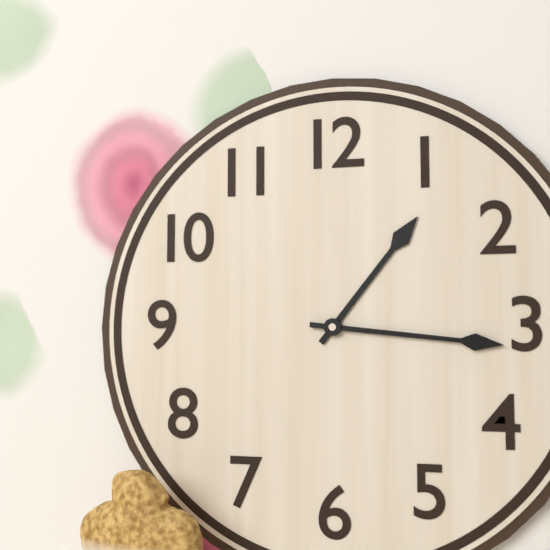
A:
1 h 16 min
